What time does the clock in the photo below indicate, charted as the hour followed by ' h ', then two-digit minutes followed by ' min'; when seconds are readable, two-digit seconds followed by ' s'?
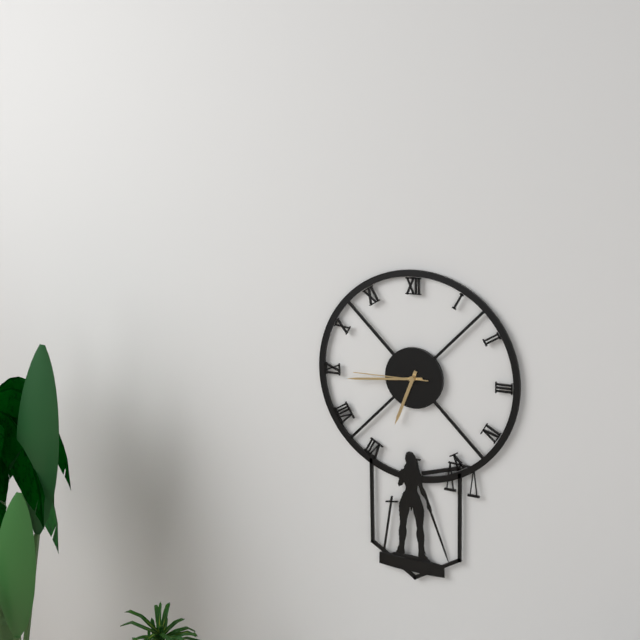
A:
6 h 44 min 45 s
